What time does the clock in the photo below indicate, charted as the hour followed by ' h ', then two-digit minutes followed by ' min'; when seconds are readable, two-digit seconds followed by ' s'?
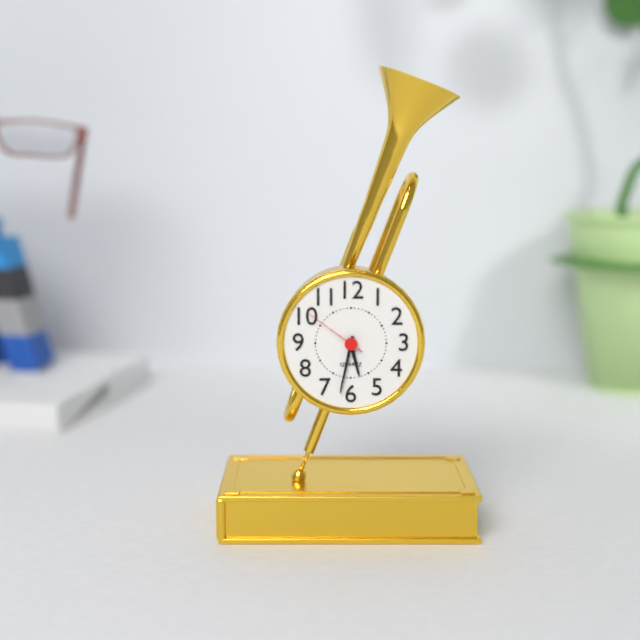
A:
5 h 32 min 51 s
